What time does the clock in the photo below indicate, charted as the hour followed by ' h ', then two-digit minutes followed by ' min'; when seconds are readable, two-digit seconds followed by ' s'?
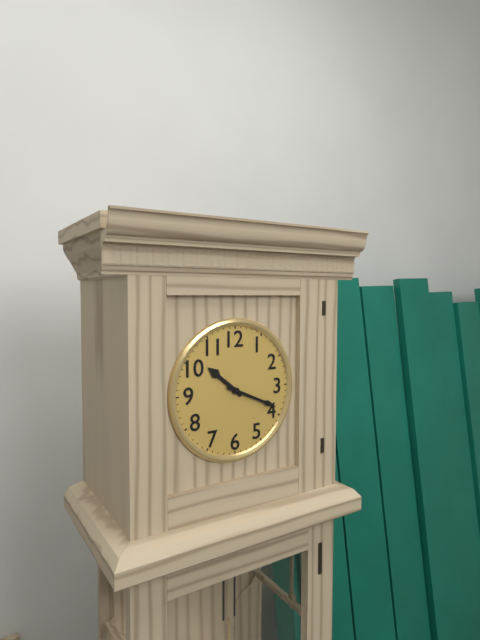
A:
10 h 19 min
